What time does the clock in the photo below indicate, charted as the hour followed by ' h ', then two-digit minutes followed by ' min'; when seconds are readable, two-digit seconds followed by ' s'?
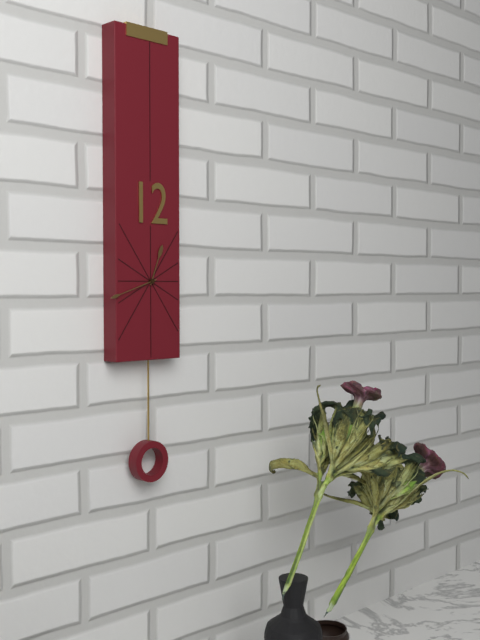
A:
12 h 42 min
